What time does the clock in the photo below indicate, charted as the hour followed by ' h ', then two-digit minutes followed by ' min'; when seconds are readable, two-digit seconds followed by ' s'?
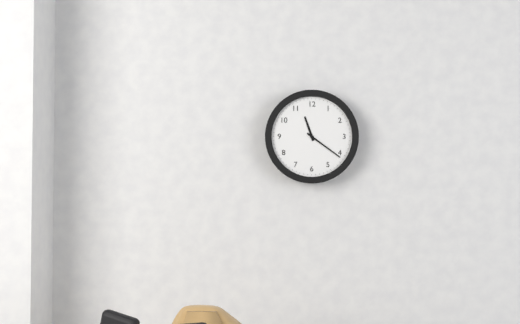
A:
11 h 21 min
